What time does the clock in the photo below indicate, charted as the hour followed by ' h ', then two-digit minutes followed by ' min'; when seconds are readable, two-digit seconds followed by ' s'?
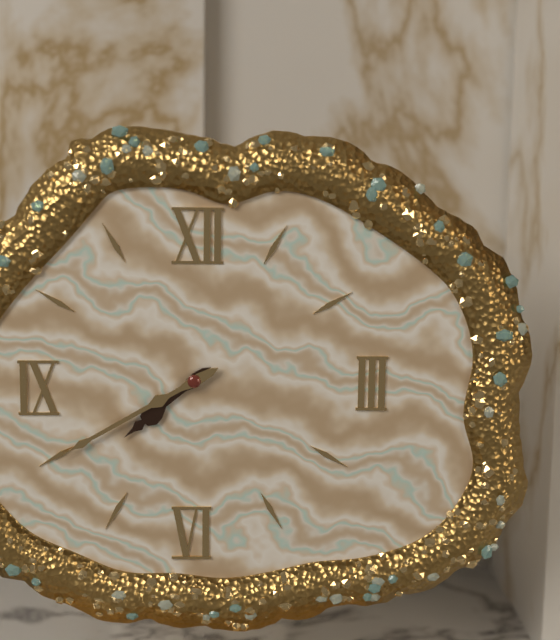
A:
7 h 40 min
